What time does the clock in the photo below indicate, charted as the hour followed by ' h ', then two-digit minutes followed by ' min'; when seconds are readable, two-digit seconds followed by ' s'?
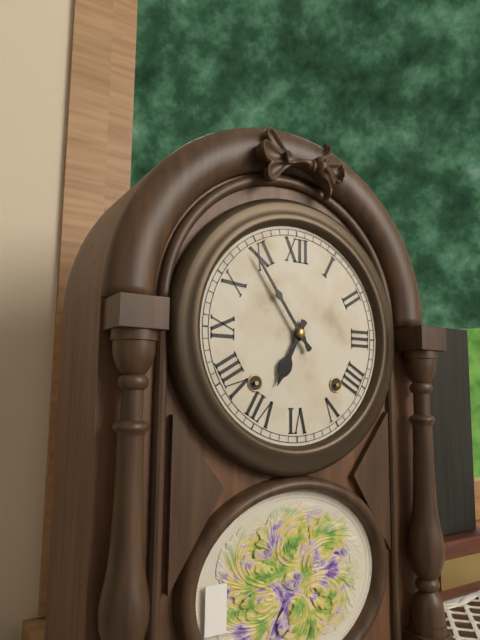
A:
6 h 54 min
